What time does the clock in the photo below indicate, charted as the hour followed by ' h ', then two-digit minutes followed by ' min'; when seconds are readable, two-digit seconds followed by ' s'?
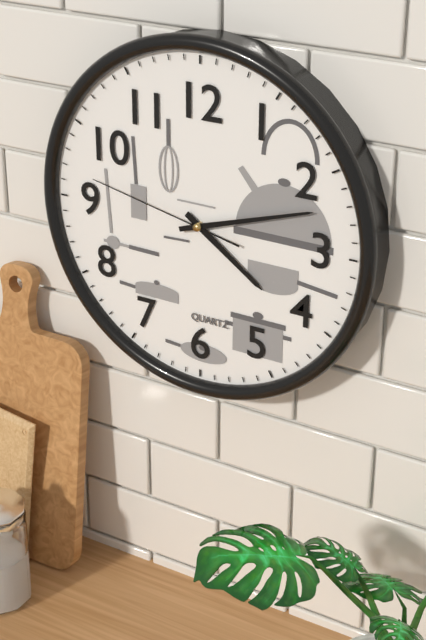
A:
4 h 12 min 47 s
